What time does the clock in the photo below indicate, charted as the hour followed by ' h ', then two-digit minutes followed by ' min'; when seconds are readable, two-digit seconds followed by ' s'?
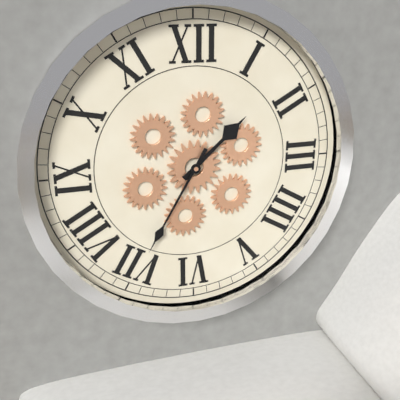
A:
1 h 35 min
